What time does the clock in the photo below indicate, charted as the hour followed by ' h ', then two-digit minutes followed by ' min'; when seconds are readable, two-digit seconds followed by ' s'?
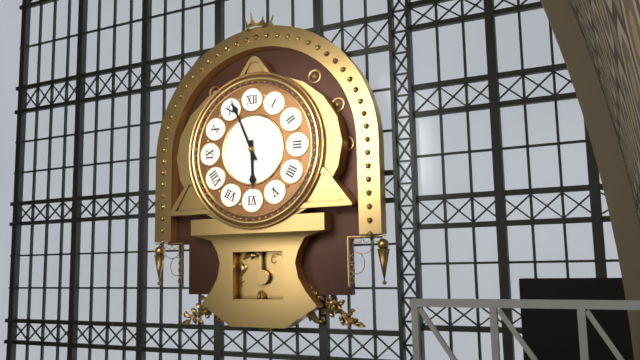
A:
5 h 56 min
